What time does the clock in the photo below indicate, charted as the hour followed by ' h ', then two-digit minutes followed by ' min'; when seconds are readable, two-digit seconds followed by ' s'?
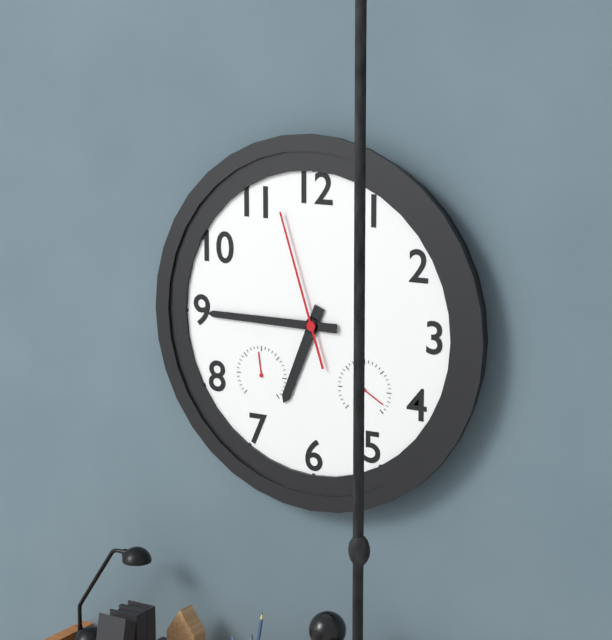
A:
6 h 45 min 57 s
